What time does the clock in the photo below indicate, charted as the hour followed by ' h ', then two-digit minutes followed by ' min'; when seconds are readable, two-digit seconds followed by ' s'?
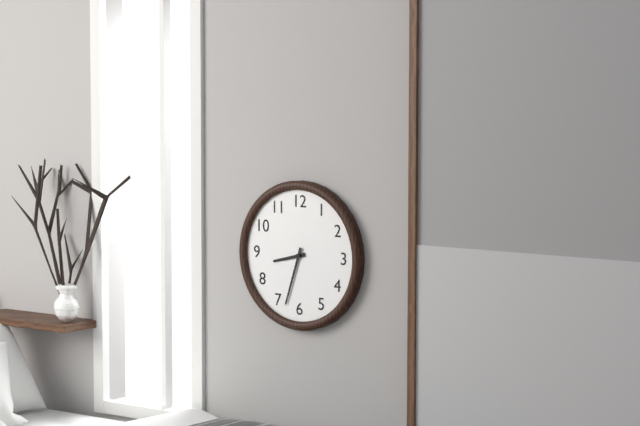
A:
8 h 33 min
